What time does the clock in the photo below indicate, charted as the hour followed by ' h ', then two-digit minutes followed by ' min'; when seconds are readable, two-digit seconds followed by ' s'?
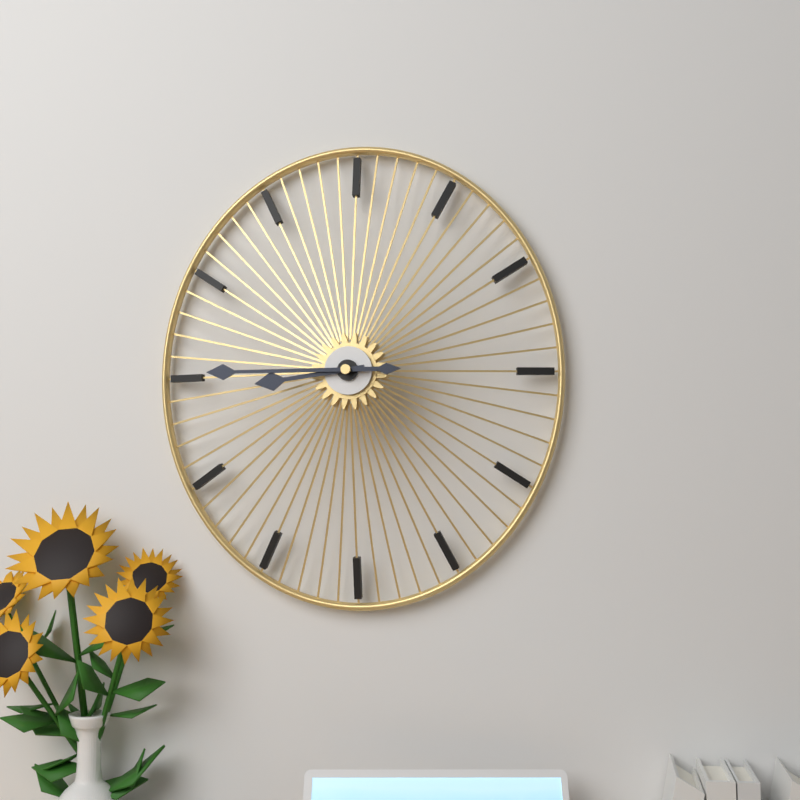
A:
8 h 45 min
